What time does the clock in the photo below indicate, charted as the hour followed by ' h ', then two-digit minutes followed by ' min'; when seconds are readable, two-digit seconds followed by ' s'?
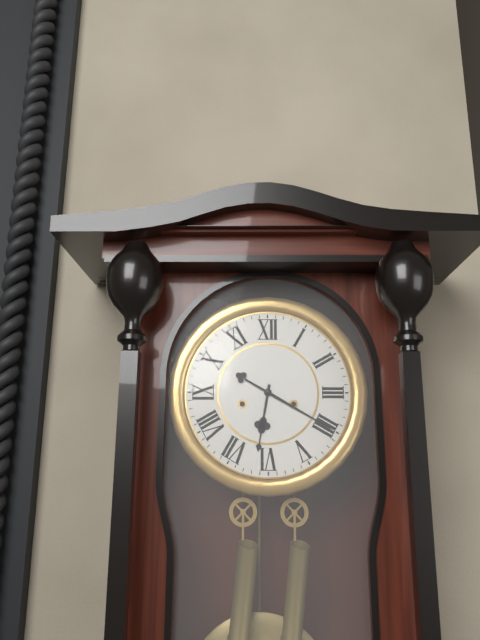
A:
6 h 20 min
